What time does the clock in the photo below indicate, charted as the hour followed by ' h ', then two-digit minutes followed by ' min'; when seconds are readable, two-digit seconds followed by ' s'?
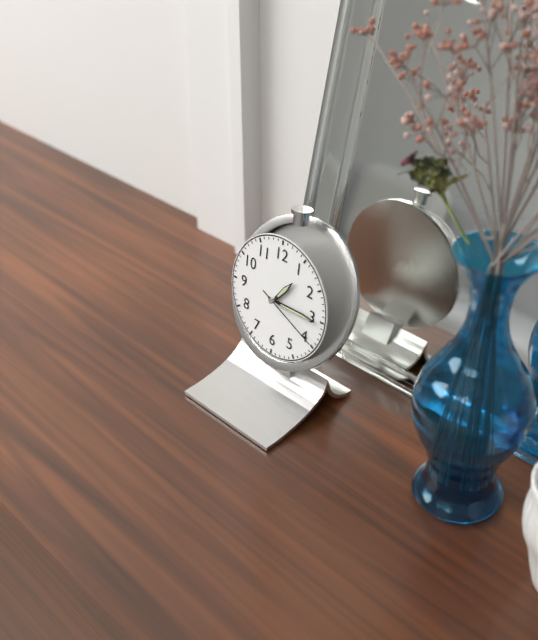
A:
1 h 15 min 19 s
